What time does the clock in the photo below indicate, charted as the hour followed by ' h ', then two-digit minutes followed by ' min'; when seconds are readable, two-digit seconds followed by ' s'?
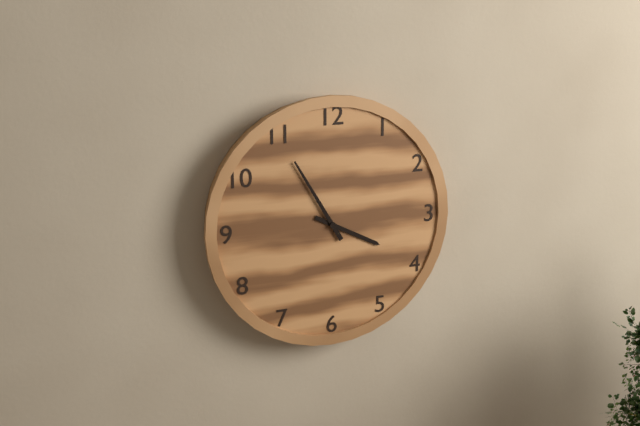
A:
3 h 55 min
